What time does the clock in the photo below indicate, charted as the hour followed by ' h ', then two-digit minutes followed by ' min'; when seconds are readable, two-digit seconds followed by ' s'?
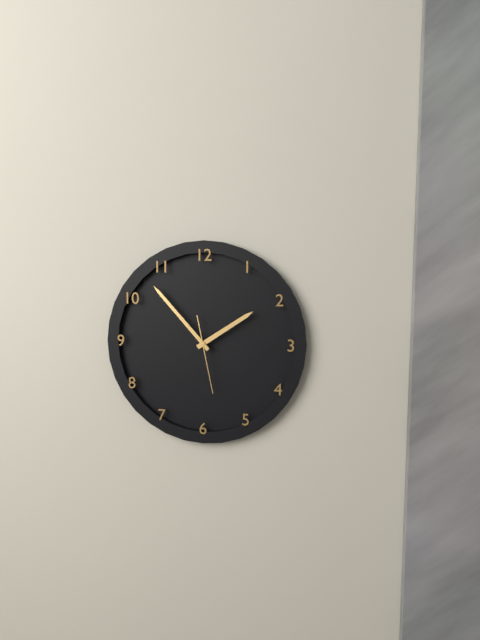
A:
1 h 53 min 28 s
